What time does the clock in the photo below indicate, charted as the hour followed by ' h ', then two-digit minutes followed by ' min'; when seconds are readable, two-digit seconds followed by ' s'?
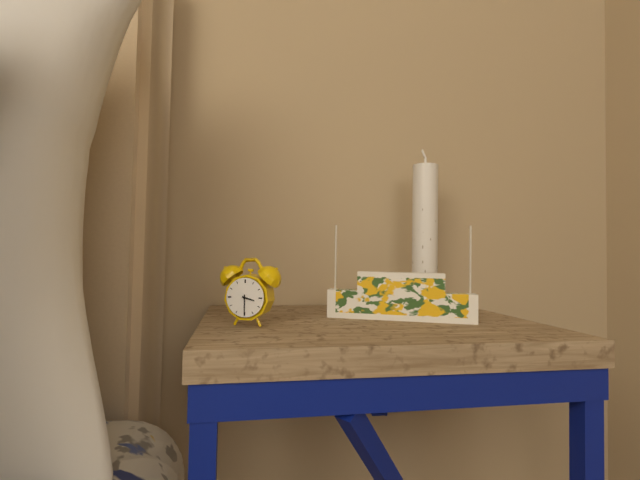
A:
3 h 30 min
